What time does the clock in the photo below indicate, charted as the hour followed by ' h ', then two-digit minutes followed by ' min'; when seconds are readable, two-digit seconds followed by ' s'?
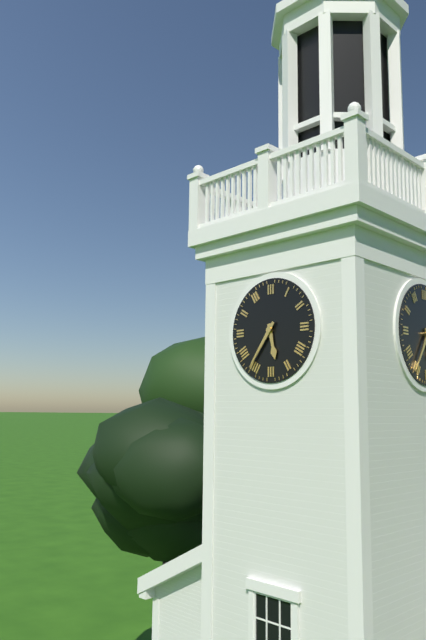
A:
5 h 36 min
